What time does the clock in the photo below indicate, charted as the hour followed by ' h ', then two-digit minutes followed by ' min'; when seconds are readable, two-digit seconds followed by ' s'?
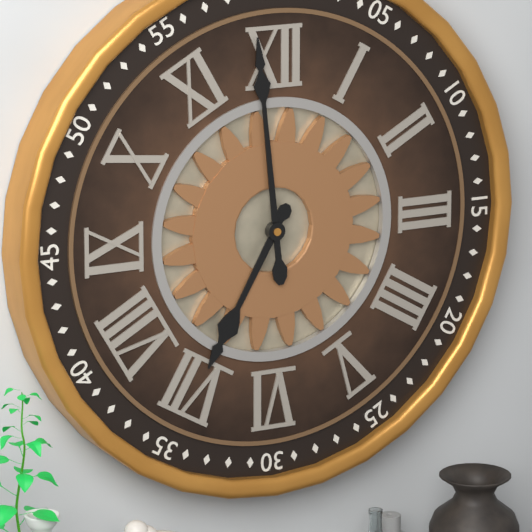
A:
6 h 59 min
